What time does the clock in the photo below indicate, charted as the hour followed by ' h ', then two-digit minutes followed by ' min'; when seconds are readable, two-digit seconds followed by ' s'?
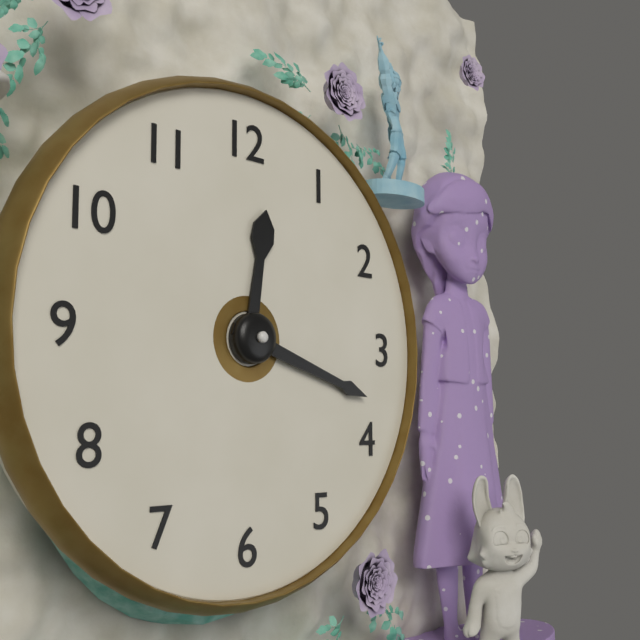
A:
12 h 18 min
